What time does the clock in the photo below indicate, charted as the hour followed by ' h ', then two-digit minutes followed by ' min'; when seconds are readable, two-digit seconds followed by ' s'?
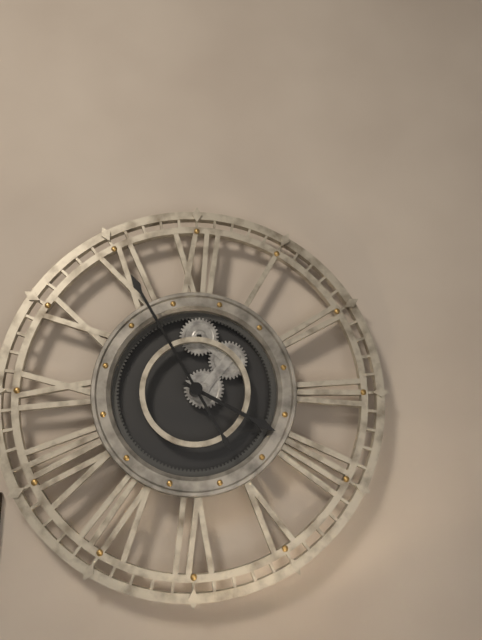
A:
3 h 55 min
